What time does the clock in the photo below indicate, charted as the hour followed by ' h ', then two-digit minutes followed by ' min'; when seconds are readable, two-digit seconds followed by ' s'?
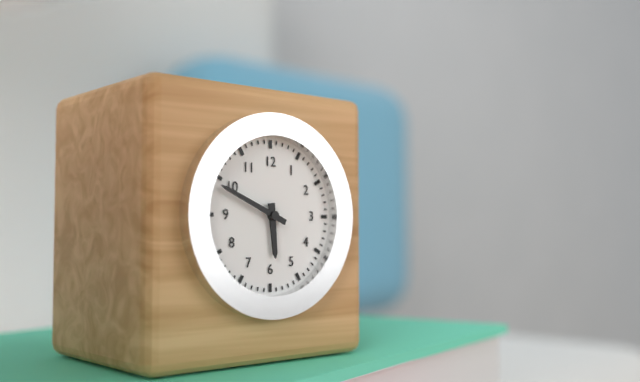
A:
5 h 49 min
